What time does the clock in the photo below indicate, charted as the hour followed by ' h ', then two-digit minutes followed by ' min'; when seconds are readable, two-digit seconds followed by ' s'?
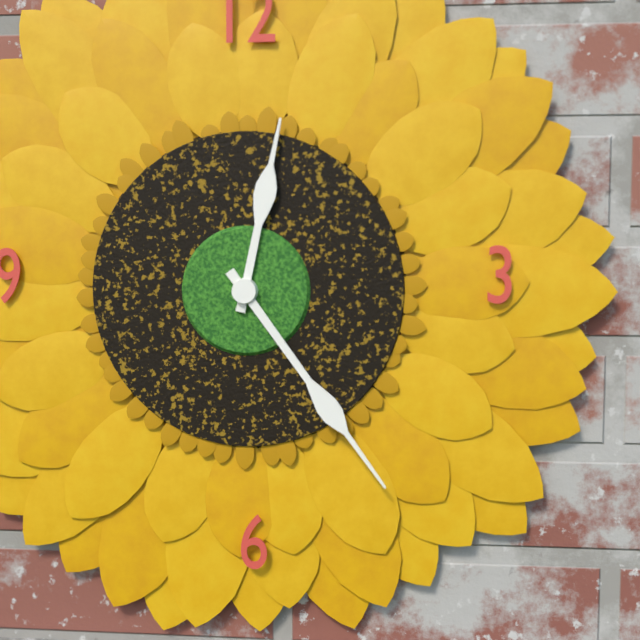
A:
12 h 24 min
